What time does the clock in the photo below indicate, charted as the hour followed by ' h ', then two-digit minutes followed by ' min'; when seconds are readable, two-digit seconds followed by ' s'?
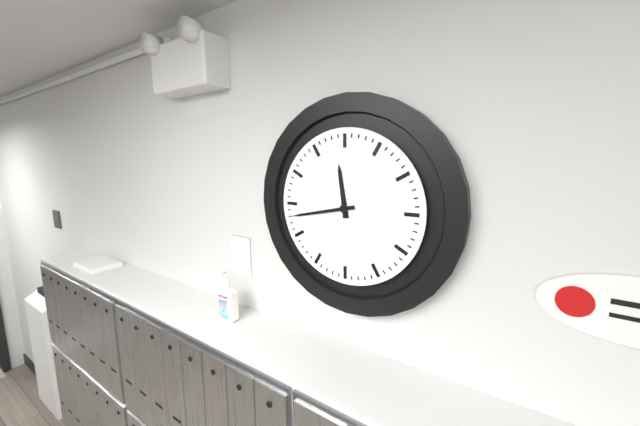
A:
11 h 43 min
